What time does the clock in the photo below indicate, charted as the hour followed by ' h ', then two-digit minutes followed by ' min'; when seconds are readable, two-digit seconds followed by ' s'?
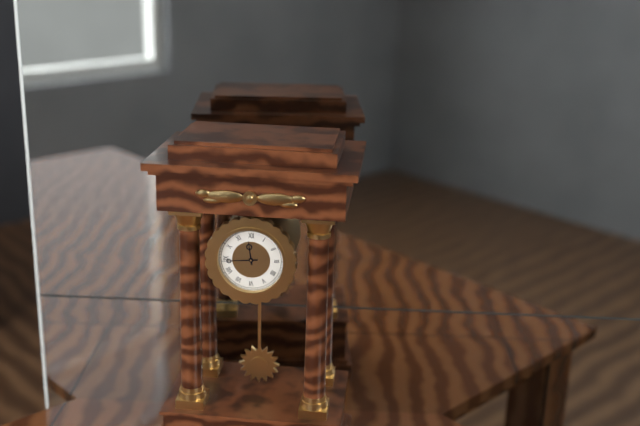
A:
11 h 44 min
